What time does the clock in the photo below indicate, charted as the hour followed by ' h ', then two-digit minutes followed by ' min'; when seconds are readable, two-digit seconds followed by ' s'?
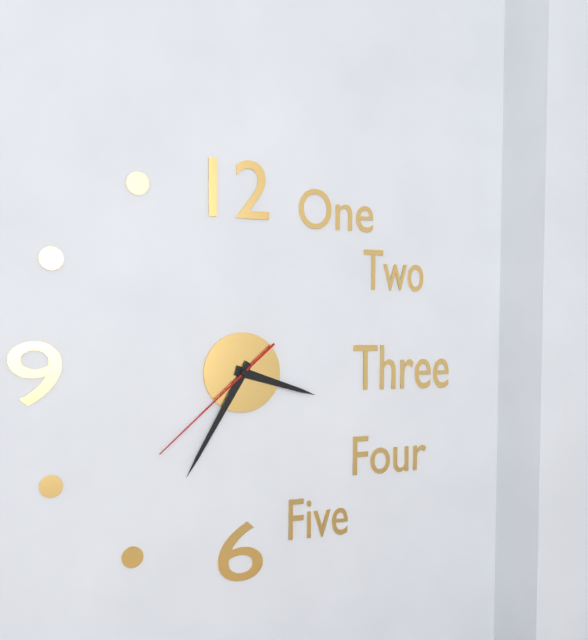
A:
3 h 35 min 38 s
